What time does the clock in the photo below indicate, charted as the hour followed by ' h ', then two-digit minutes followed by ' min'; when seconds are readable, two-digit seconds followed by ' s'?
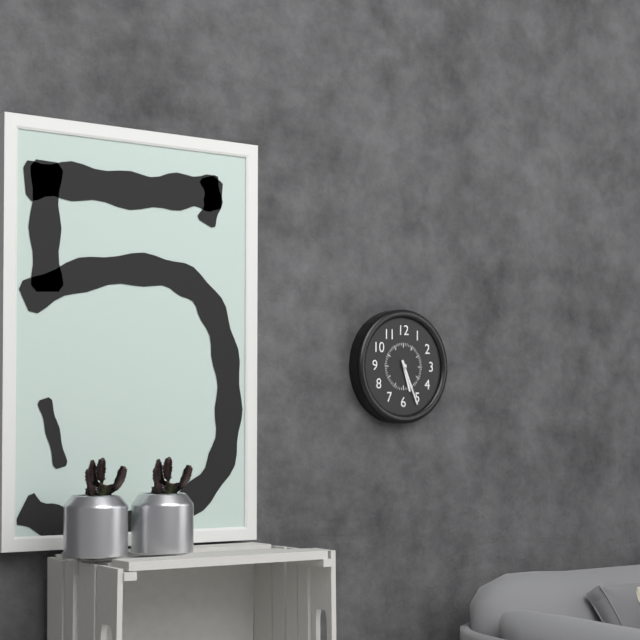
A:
5 h 26 min
